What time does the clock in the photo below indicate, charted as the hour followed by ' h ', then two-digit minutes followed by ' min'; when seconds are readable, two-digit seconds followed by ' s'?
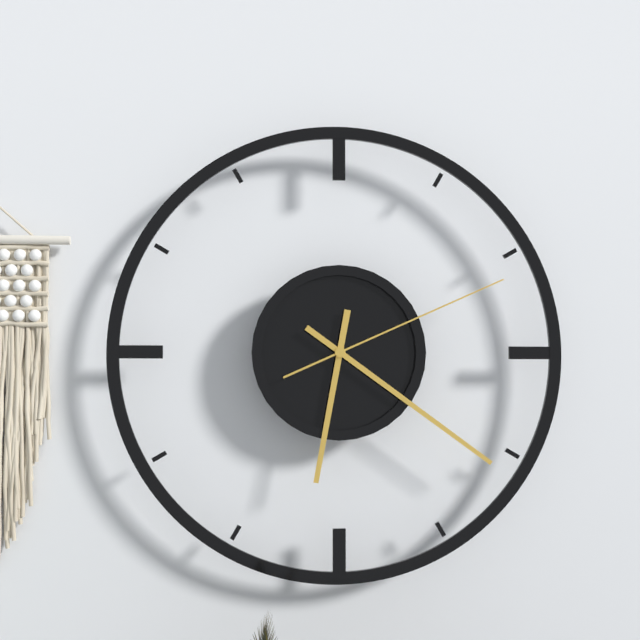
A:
6 h 21 min 11 s
